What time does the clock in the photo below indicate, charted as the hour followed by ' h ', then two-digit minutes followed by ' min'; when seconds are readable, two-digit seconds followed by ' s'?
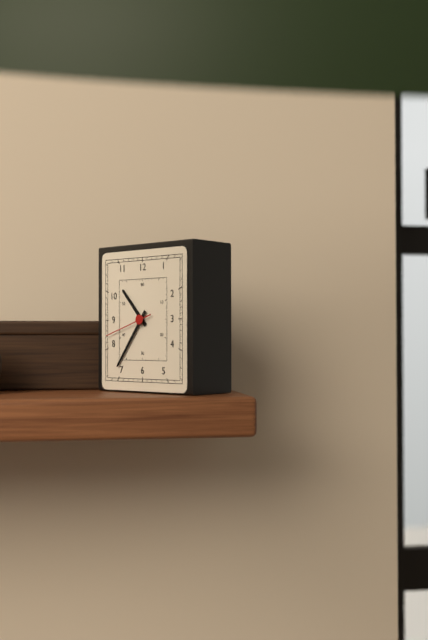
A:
10 h 36 min
